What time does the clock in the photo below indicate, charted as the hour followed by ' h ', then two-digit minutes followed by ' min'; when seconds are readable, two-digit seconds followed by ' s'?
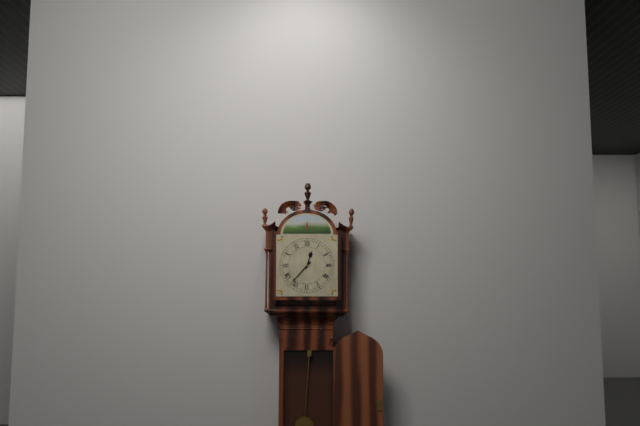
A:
12 h 37 min
